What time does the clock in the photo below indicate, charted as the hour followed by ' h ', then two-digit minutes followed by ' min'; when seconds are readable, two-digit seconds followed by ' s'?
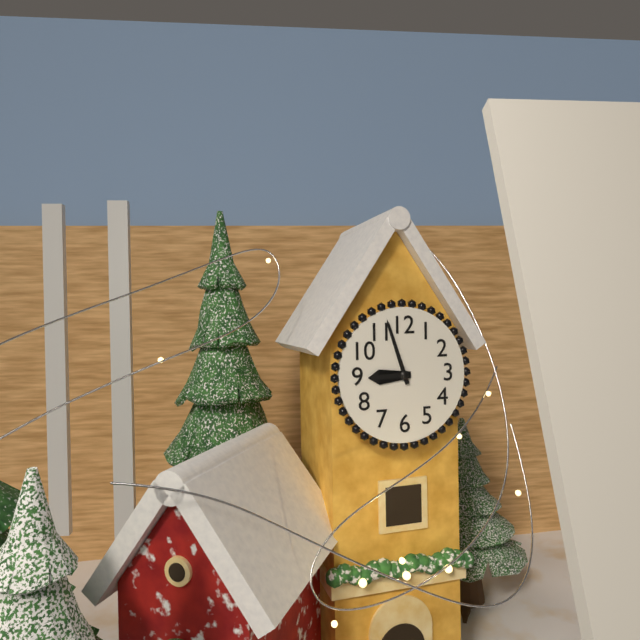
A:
8 h 57 min
